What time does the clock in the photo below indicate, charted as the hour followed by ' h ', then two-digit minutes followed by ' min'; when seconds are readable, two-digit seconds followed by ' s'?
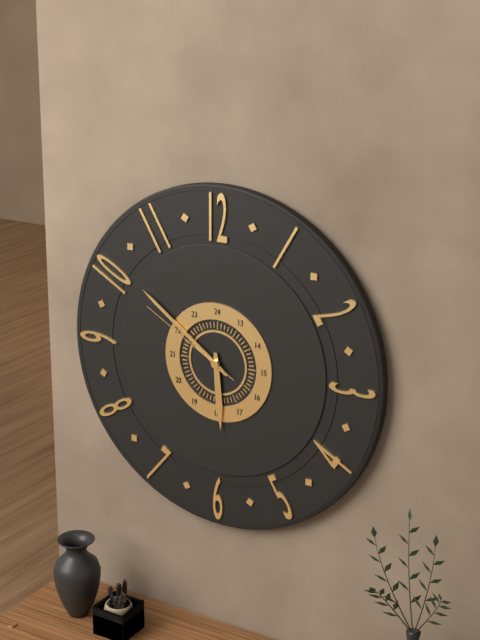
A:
5 h 51 min 50 s
